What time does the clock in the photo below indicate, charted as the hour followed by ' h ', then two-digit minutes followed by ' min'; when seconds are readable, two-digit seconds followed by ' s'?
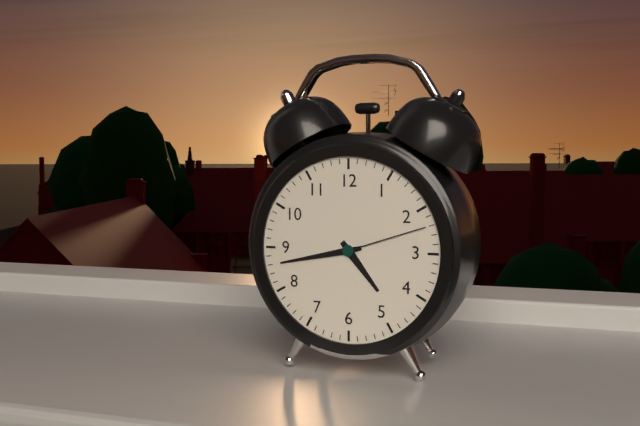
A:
4 h 43 min 12 s
